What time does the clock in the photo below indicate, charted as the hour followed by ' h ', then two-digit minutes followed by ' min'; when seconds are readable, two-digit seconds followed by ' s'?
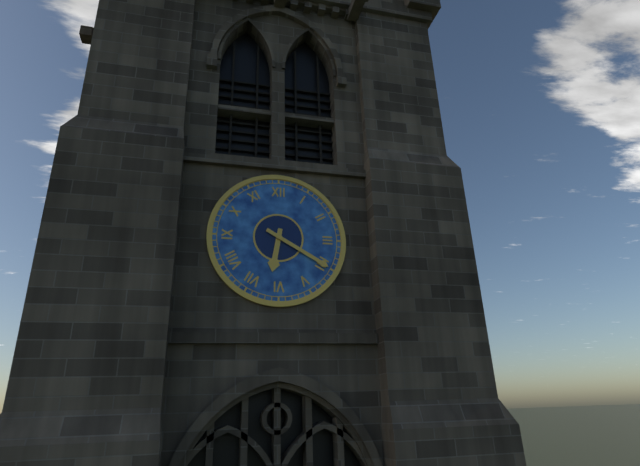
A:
6 h 20 min
